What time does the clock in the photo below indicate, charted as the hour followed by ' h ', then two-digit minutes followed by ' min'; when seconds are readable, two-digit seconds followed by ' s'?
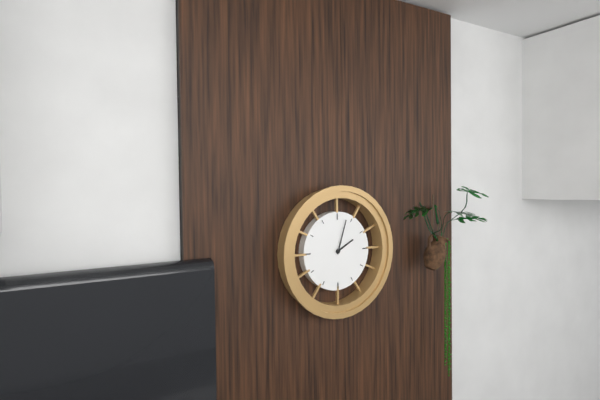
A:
2 h 03 min
